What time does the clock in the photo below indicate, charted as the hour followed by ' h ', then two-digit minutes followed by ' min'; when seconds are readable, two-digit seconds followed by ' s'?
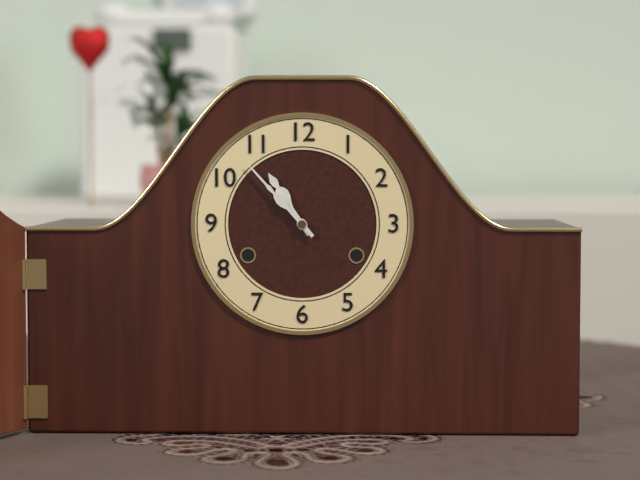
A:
10 h 53 min
